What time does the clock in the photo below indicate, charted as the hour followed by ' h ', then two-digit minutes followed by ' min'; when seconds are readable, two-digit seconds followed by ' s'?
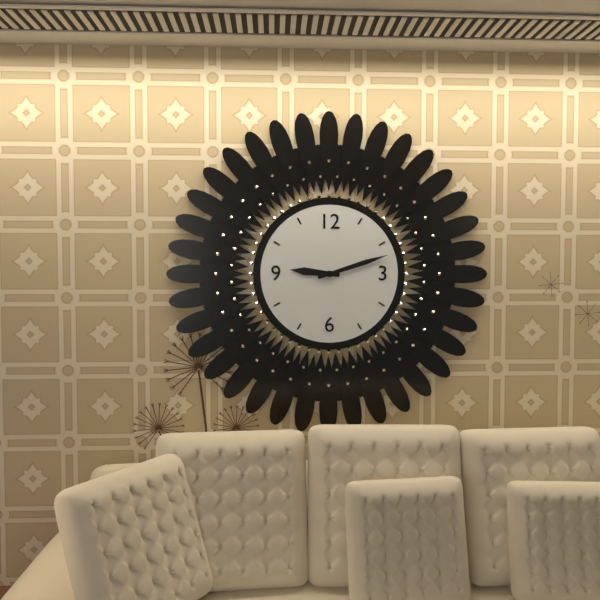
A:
9 h 12 min
